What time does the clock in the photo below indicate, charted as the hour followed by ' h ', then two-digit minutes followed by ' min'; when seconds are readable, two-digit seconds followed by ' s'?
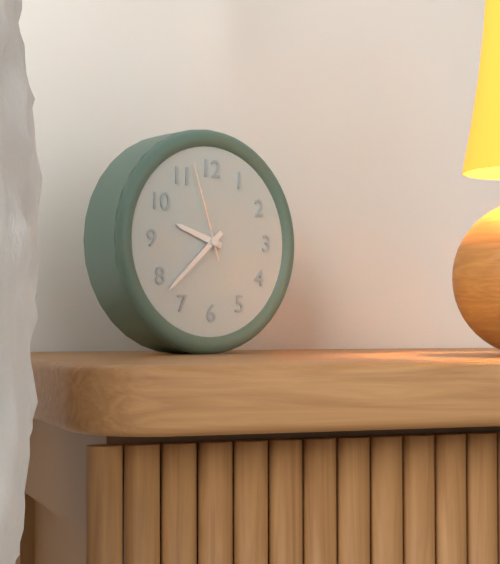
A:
9 h 38 min 57 s
